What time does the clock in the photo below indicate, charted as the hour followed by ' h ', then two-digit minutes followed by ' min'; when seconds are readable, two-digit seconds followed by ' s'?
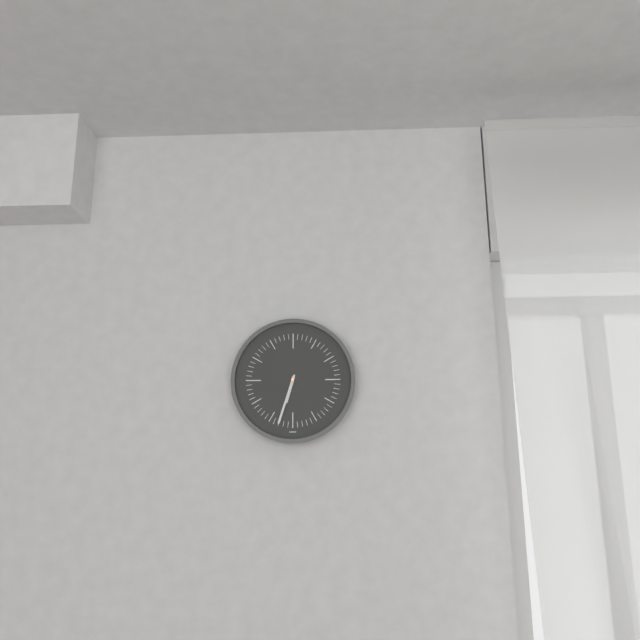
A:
6 h 33 min
